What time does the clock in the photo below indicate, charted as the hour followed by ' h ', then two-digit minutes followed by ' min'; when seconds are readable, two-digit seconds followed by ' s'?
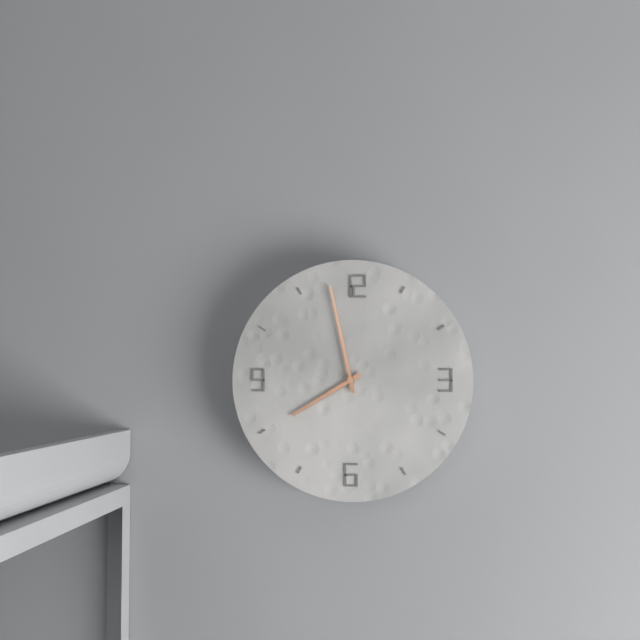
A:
7 h 58 min
